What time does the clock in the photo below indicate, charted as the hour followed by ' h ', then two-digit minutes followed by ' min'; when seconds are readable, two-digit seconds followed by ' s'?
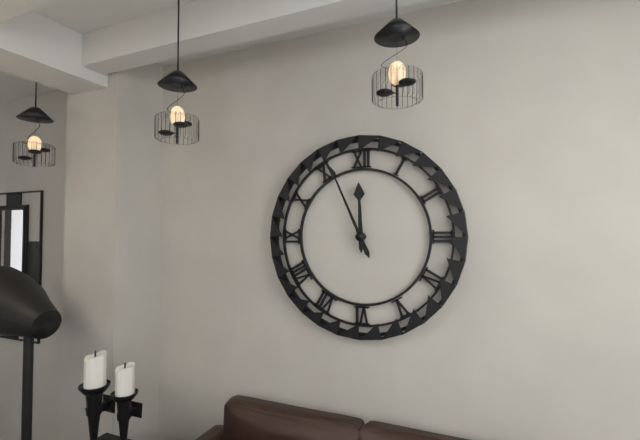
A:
11 h 56 min
